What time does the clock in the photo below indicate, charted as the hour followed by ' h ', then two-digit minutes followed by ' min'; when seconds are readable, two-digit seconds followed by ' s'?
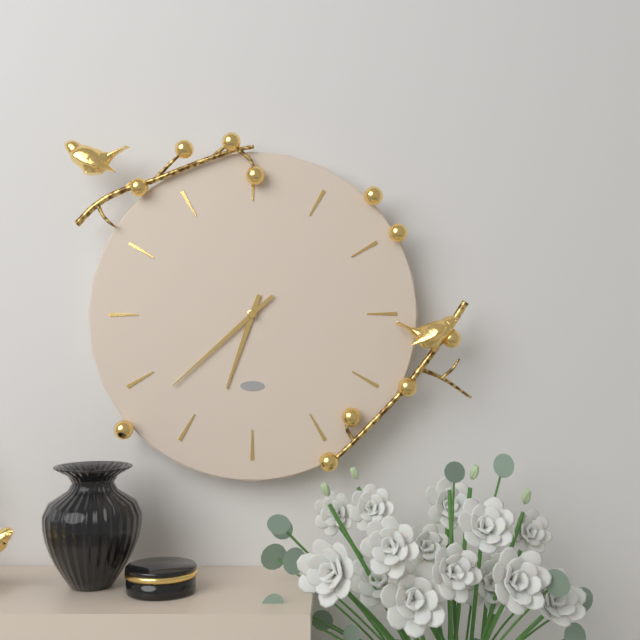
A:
6 h 38 min
